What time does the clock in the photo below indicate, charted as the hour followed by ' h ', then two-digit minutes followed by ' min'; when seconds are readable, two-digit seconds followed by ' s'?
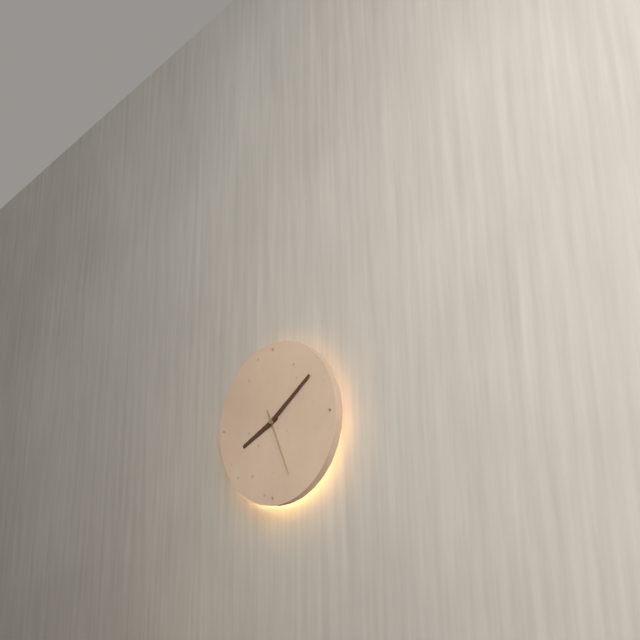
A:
8 h 09 min 26 s
